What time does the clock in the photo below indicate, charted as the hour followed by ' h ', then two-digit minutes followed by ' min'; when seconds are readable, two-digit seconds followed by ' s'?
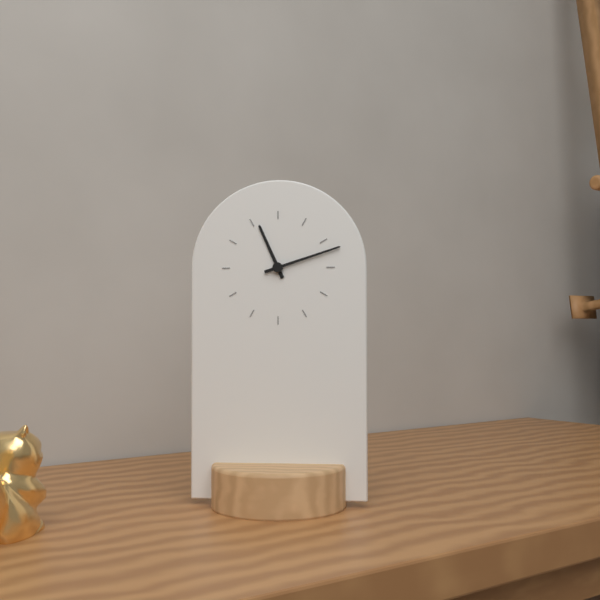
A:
11 h 12 min
